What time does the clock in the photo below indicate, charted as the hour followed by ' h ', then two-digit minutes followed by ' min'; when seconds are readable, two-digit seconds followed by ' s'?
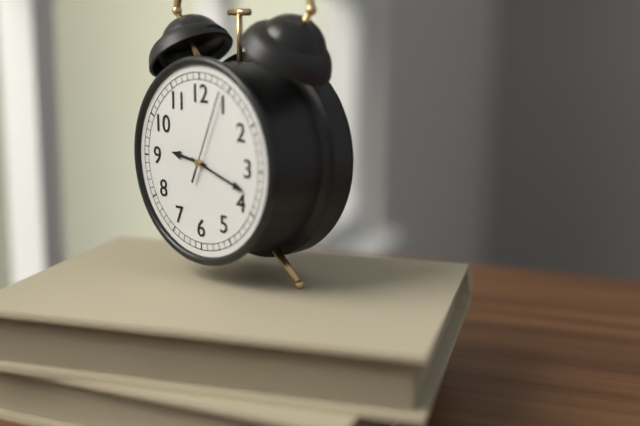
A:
9 h 18 min 04 s
